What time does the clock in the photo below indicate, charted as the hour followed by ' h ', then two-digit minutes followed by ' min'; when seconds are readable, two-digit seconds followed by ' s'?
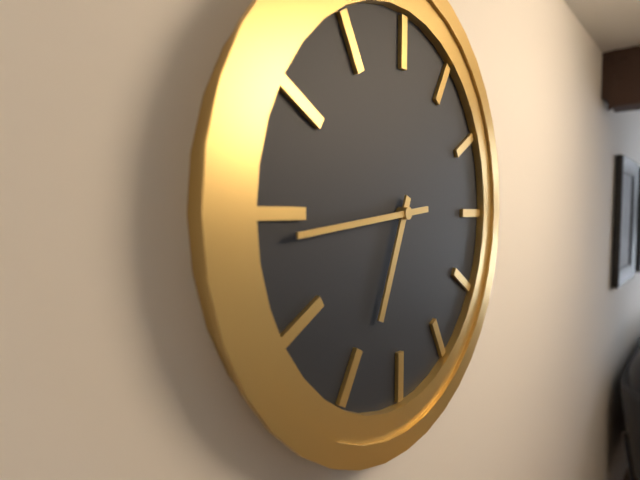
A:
6 h 44 min
